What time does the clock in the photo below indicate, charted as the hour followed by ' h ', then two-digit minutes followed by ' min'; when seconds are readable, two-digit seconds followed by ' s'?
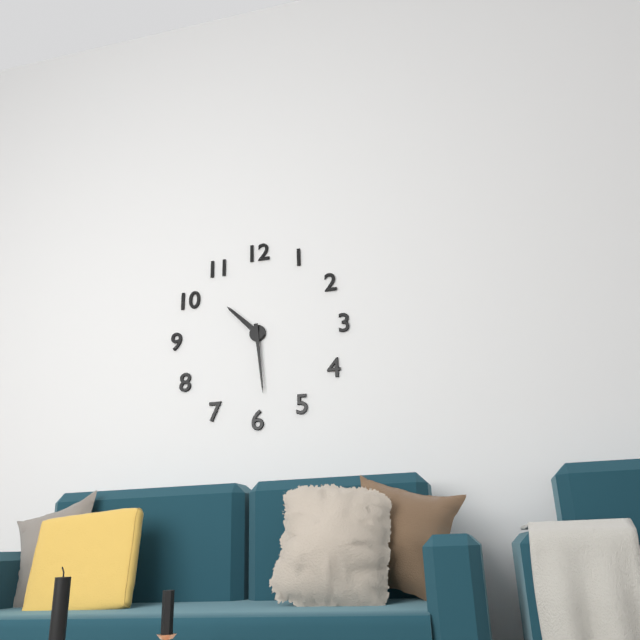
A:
10 h 29 min
